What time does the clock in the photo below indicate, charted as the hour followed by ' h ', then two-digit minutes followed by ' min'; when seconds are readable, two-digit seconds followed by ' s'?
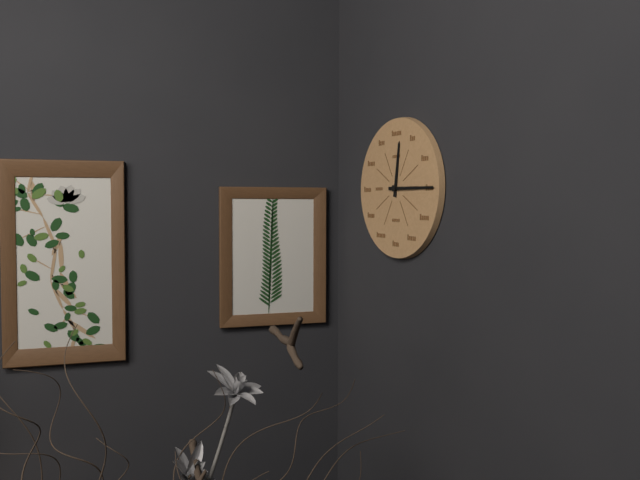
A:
12 h 15 min
